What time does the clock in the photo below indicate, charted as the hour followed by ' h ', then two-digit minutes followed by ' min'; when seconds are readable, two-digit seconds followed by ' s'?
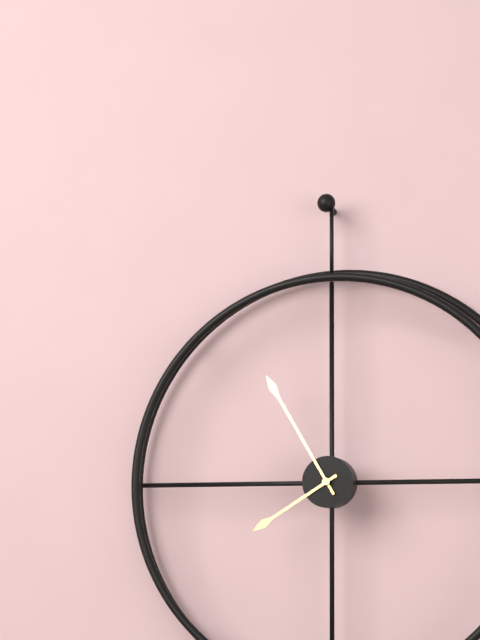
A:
7 h 55 min
